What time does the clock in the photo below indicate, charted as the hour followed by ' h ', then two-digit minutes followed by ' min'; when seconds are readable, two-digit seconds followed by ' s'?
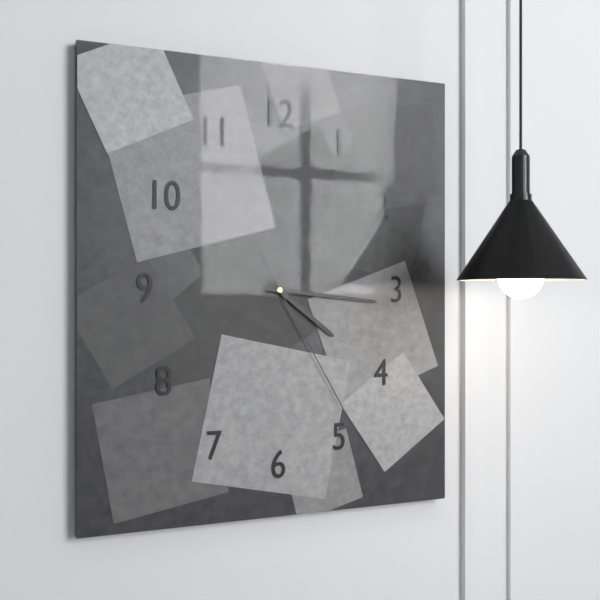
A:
4 h 16 min 25 s
